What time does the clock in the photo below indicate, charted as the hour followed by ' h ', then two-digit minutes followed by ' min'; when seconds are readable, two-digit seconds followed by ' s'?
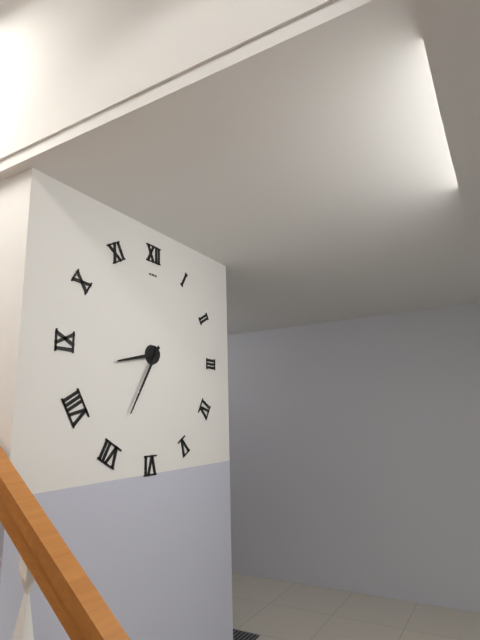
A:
8 h 35 min
